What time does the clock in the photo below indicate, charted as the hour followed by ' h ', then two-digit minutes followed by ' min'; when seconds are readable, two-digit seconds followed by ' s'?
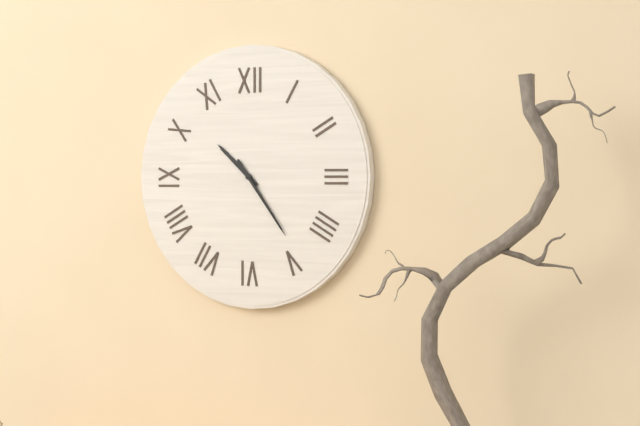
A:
10 h 24 min
